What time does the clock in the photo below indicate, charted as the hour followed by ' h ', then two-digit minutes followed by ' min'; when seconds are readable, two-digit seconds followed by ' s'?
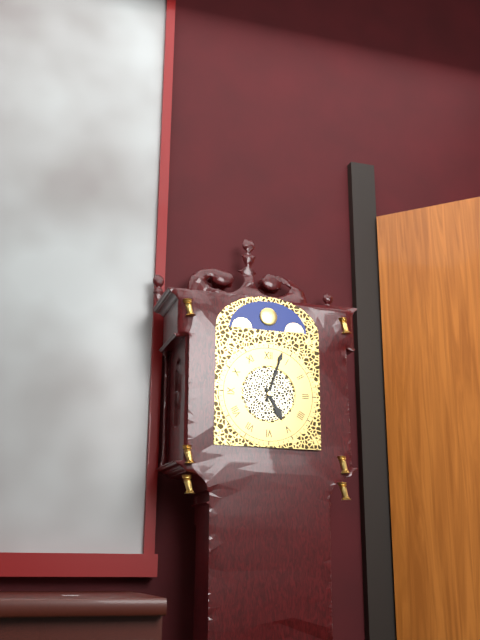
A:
5 h 03 min
